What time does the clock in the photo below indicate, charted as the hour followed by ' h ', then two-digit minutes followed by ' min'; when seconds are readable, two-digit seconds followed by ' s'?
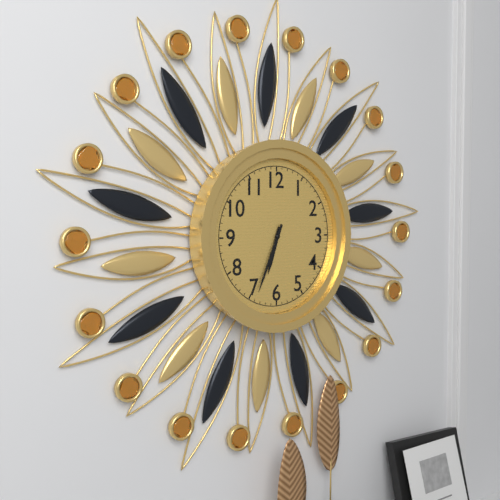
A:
6 h 34 min
